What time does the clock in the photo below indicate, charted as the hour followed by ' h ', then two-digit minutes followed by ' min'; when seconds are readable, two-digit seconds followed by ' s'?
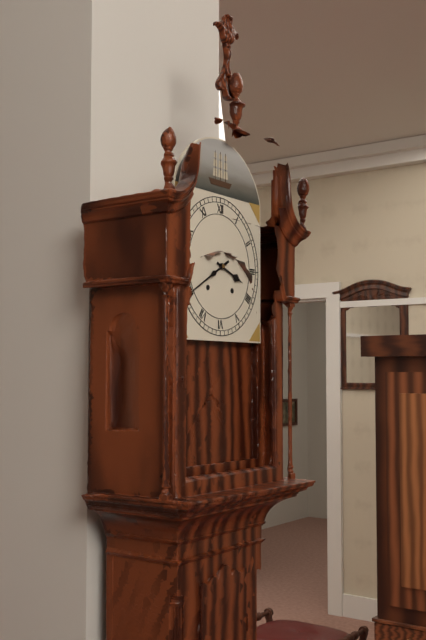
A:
3 h 40 min
